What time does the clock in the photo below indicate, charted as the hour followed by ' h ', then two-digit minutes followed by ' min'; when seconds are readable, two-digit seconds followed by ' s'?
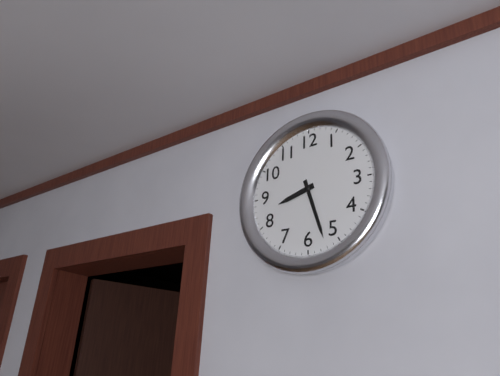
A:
8 h 27 min
